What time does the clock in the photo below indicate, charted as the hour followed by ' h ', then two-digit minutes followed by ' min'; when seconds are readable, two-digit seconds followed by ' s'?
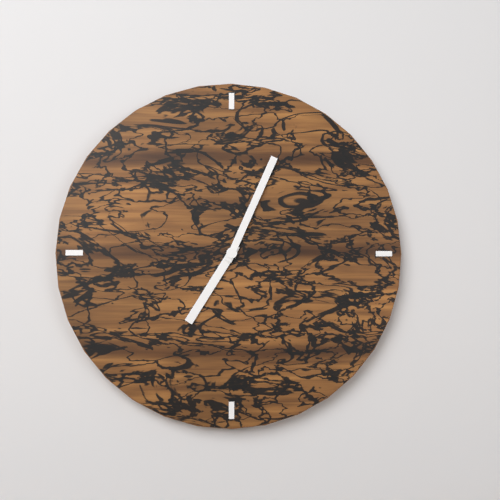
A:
7 h 04 min
